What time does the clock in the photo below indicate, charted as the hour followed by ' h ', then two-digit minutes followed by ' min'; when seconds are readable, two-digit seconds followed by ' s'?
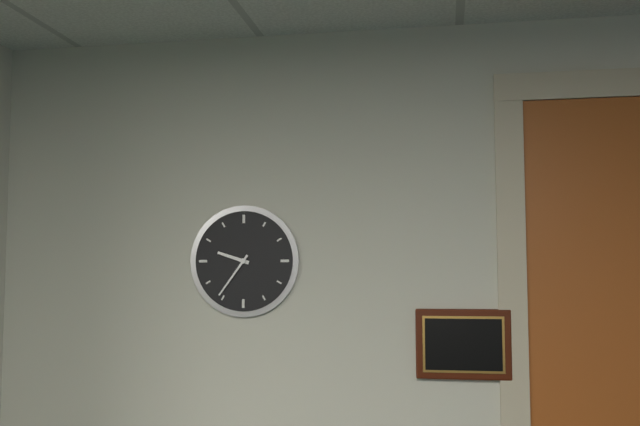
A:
9 h 36 min
